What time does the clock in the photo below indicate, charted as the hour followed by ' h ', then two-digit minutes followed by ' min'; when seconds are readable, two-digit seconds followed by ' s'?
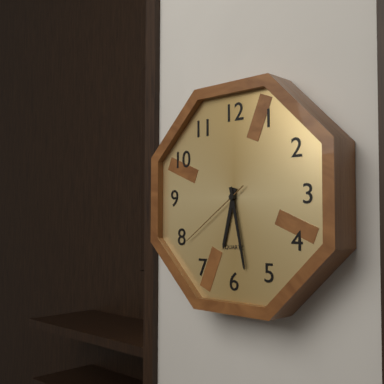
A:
6 h 28 min 39 s
